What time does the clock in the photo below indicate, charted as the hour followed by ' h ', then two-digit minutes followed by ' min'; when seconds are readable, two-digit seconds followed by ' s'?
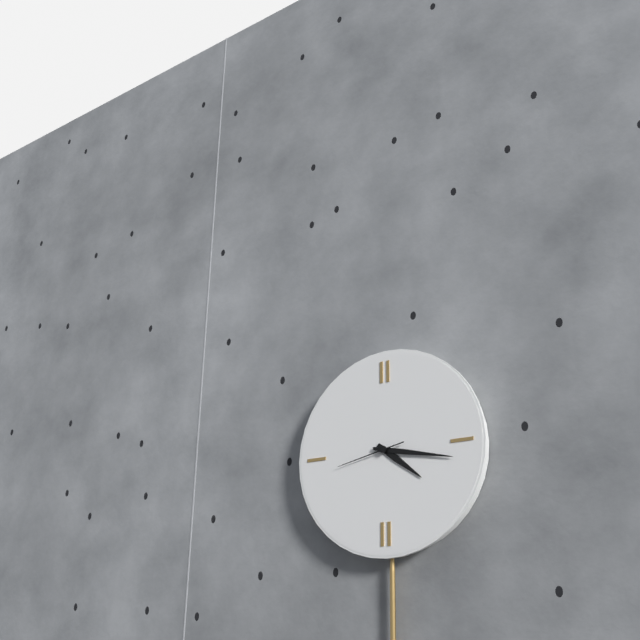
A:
4 h 17 min 43 s
